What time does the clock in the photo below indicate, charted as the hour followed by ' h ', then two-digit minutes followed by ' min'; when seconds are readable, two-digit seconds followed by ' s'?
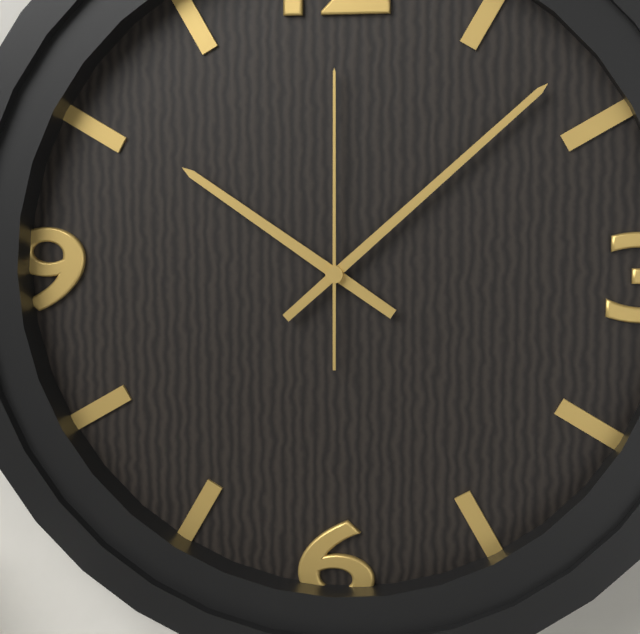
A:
10 h 08 min 00 s
